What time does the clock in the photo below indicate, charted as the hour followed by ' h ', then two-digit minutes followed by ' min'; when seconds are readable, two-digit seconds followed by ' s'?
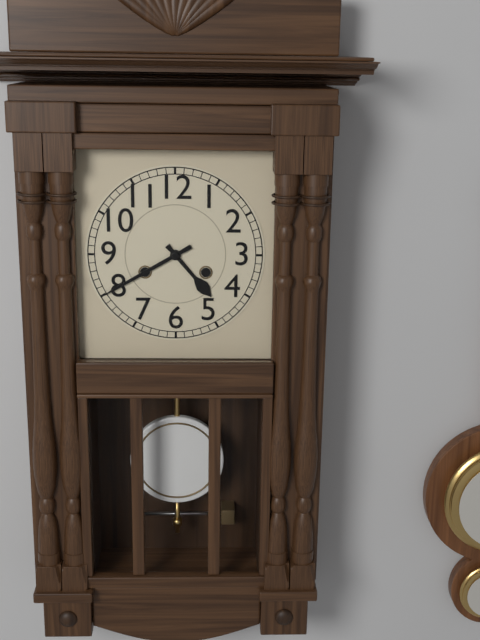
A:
4 h 40 min
